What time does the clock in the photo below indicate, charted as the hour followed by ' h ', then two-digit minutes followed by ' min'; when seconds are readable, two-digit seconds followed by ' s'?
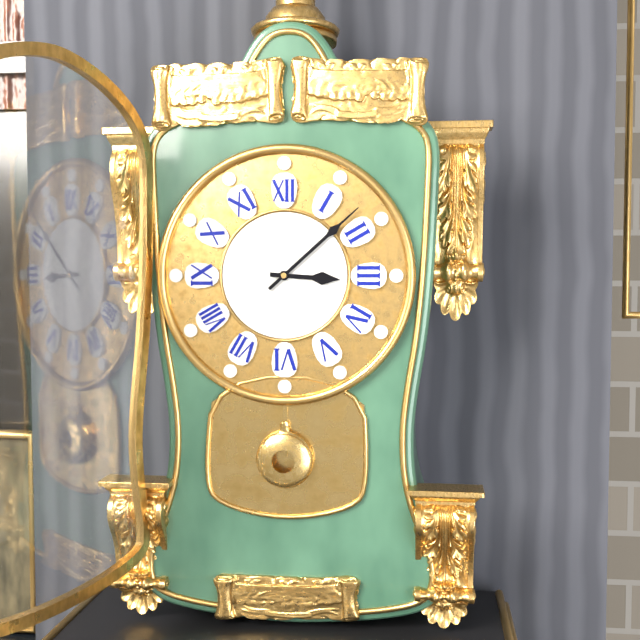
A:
3 h 08 min
